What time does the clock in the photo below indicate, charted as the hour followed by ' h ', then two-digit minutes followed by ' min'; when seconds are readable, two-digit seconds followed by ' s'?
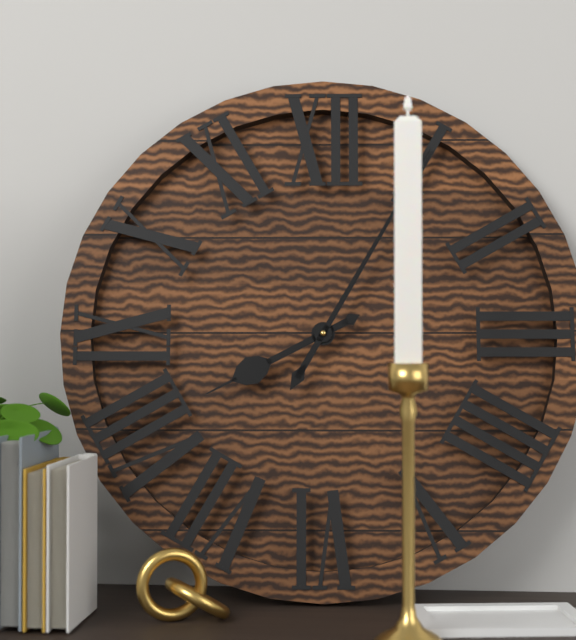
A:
8 h 05 min
